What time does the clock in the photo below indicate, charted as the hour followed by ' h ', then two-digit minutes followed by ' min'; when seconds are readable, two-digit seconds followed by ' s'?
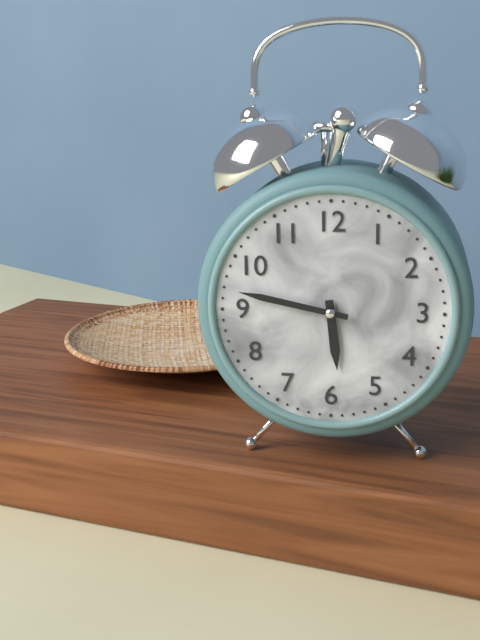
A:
5 h 47 min
